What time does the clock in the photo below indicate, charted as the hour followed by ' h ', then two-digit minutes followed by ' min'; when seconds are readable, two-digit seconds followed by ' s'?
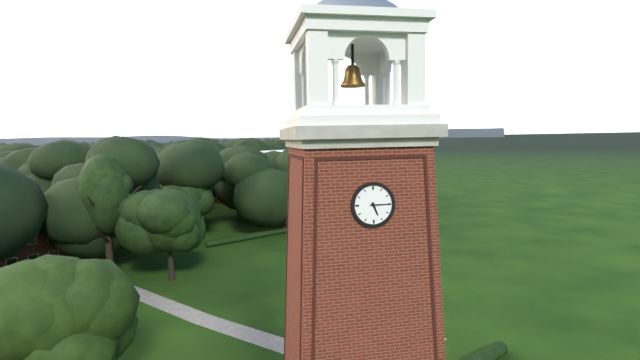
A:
5 h 15 min
